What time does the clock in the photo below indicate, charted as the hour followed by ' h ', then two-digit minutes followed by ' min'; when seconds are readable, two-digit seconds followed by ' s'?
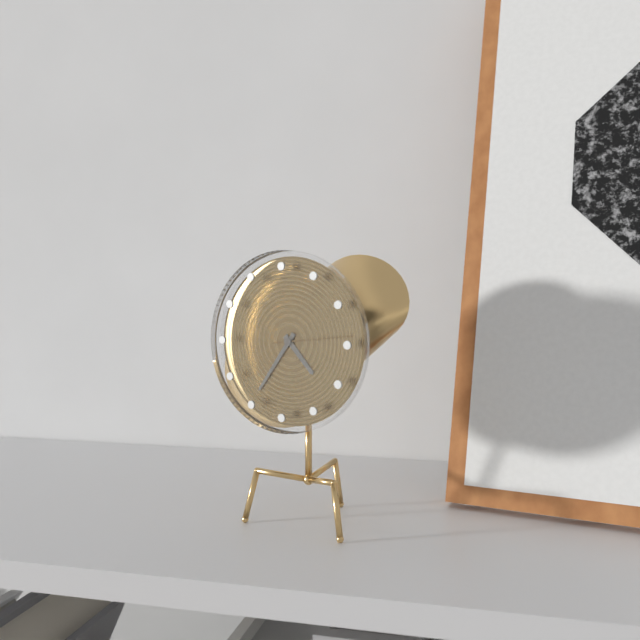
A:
4 h 36 min 14 s
